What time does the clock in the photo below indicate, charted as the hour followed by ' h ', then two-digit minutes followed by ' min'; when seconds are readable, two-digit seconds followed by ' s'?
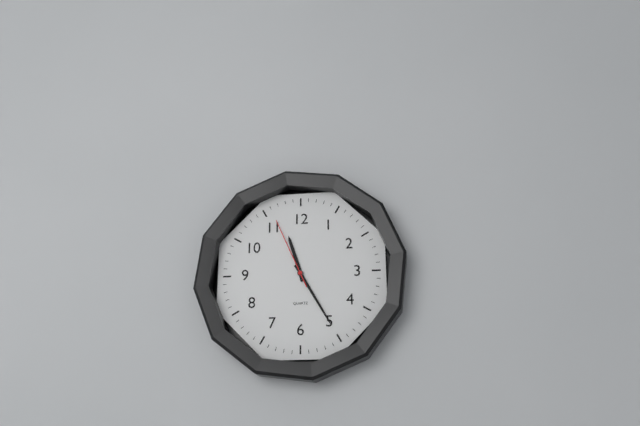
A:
11 h 25 min 56 s
